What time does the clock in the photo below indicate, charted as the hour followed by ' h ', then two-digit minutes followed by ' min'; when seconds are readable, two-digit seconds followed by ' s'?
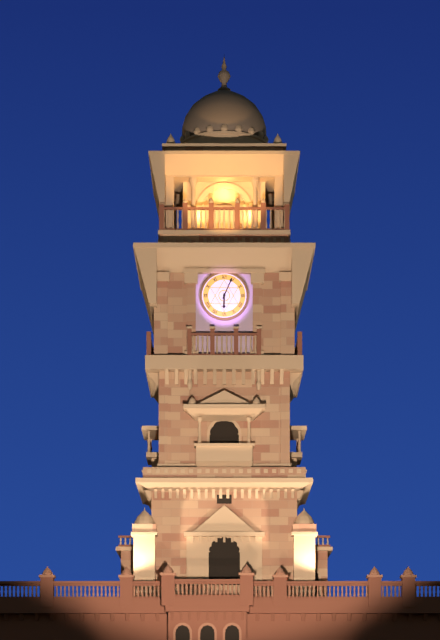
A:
6 h 04 min
